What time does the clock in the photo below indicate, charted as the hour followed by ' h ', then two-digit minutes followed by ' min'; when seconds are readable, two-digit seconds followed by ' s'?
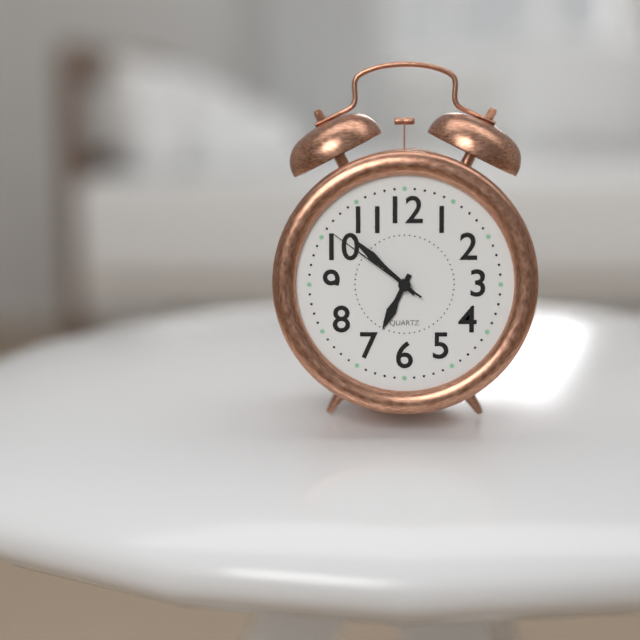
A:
6 h 52 min 51 s
